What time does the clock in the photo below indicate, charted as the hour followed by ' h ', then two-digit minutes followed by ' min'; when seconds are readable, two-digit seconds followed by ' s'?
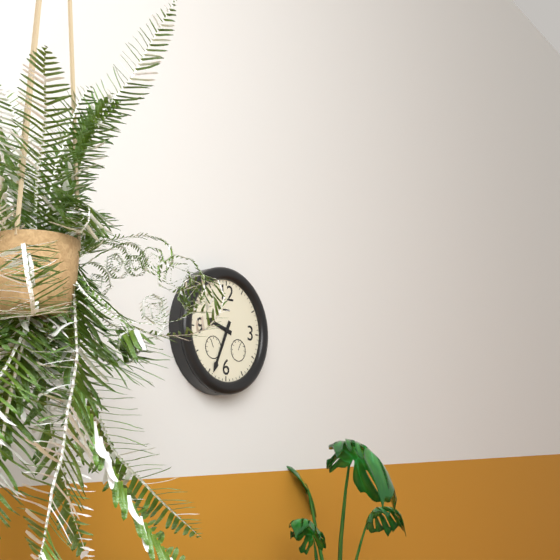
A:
9 h 34 min
